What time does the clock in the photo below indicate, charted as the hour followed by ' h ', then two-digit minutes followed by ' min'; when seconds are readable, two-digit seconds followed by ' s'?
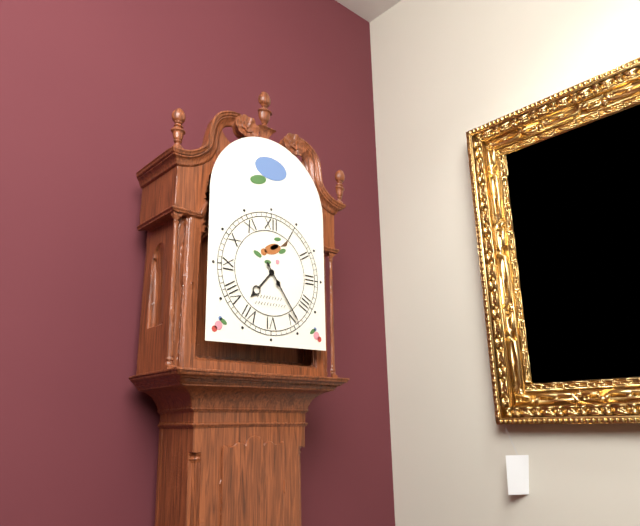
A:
7 h 24 min
